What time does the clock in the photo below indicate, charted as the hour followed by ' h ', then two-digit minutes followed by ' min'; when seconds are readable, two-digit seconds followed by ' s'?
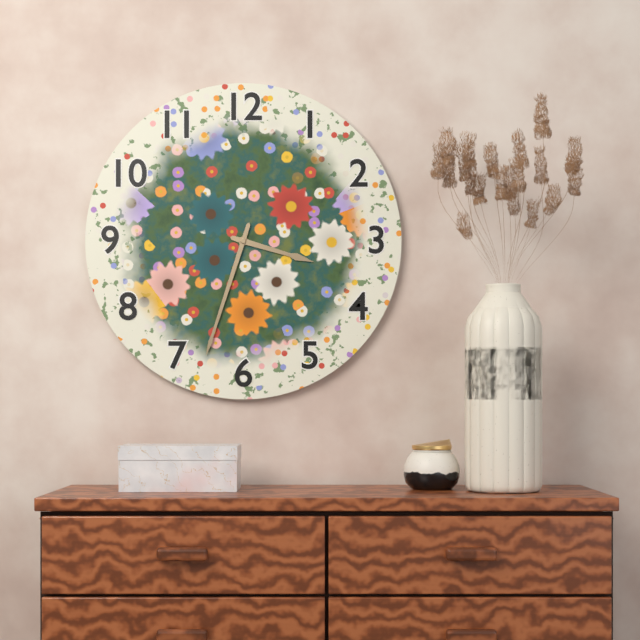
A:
3 h 33 min
